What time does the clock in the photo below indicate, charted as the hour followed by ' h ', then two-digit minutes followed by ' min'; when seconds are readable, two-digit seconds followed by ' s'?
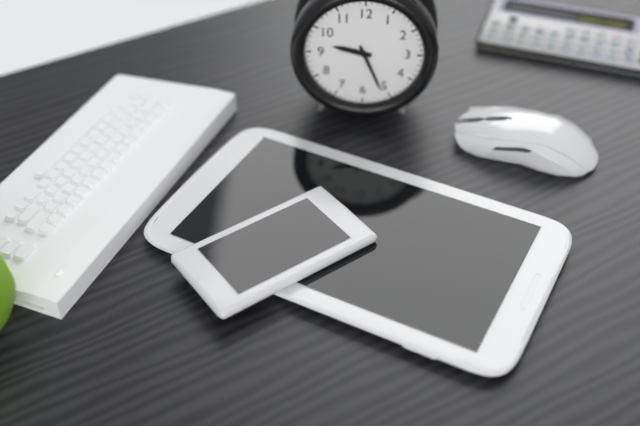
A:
9 h 26 min
